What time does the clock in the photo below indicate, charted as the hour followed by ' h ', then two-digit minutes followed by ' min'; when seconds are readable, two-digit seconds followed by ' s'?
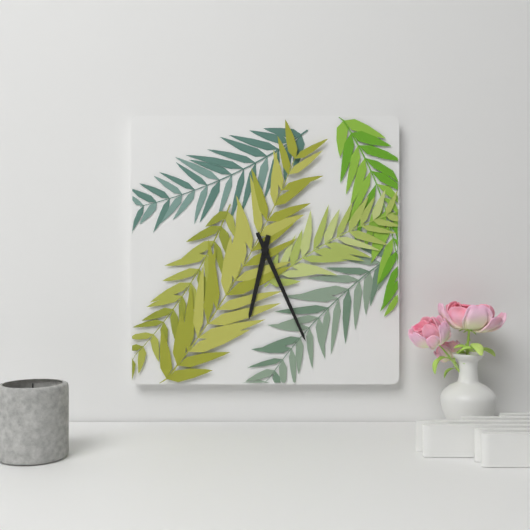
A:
6 h 26 min
